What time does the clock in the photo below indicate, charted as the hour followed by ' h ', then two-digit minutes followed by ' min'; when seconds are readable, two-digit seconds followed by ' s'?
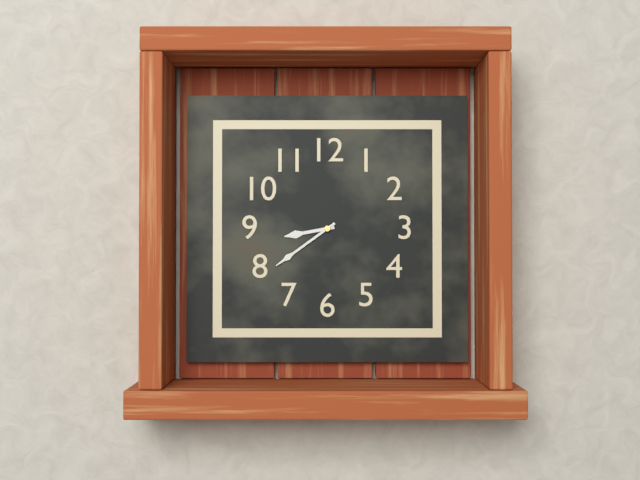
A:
8 h 39 min
